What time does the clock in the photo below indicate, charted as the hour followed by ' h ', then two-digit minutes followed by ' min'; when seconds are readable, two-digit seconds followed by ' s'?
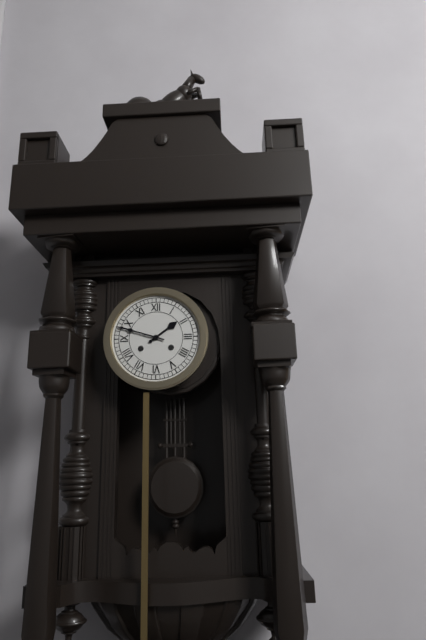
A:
1 h 48 min
